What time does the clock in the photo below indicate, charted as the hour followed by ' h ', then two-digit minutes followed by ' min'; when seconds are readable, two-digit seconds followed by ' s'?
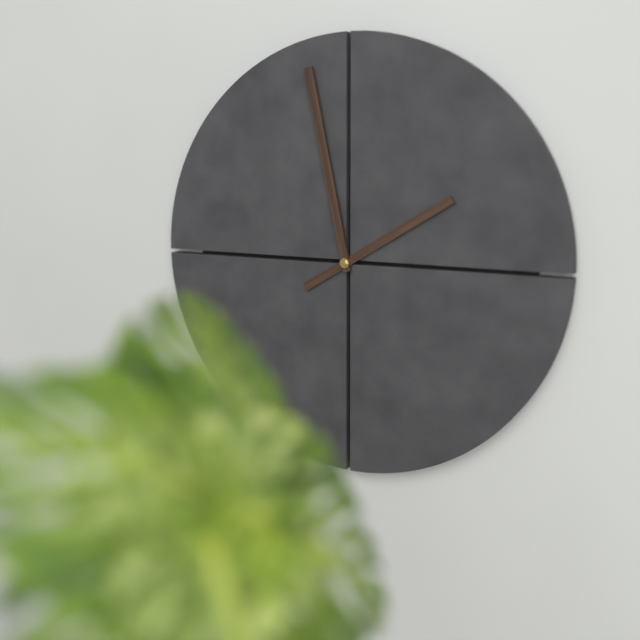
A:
1 h 58 min
